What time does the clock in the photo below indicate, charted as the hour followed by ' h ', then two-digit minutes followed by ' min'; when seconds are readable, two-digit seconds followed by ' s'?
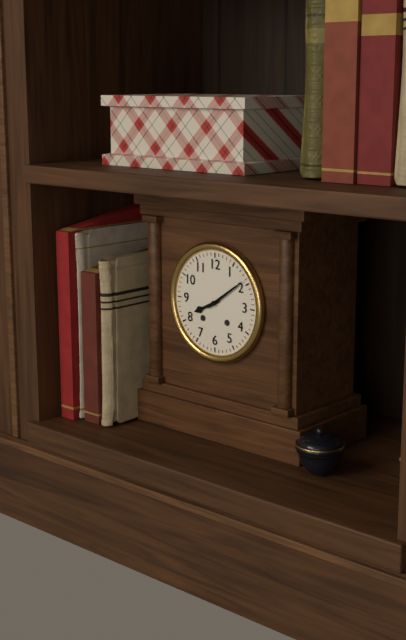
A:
8 h 09 min
